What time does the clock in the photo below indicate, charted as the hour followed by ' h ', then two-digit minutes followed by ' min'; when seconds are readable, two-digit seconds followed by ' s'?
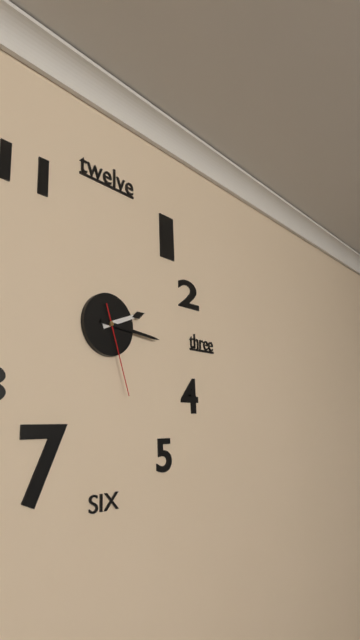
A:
2 h 16 min 27 s
